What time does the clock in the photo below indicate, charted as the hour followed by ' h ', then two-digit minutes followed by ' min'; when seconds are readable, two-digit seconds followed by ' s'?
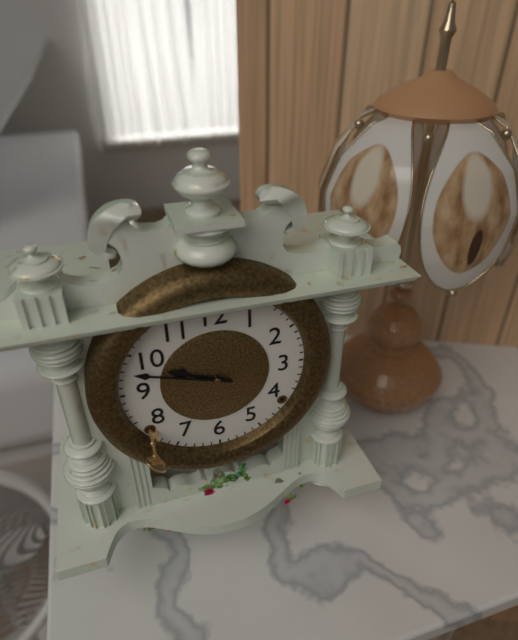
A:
9 h 48 min
